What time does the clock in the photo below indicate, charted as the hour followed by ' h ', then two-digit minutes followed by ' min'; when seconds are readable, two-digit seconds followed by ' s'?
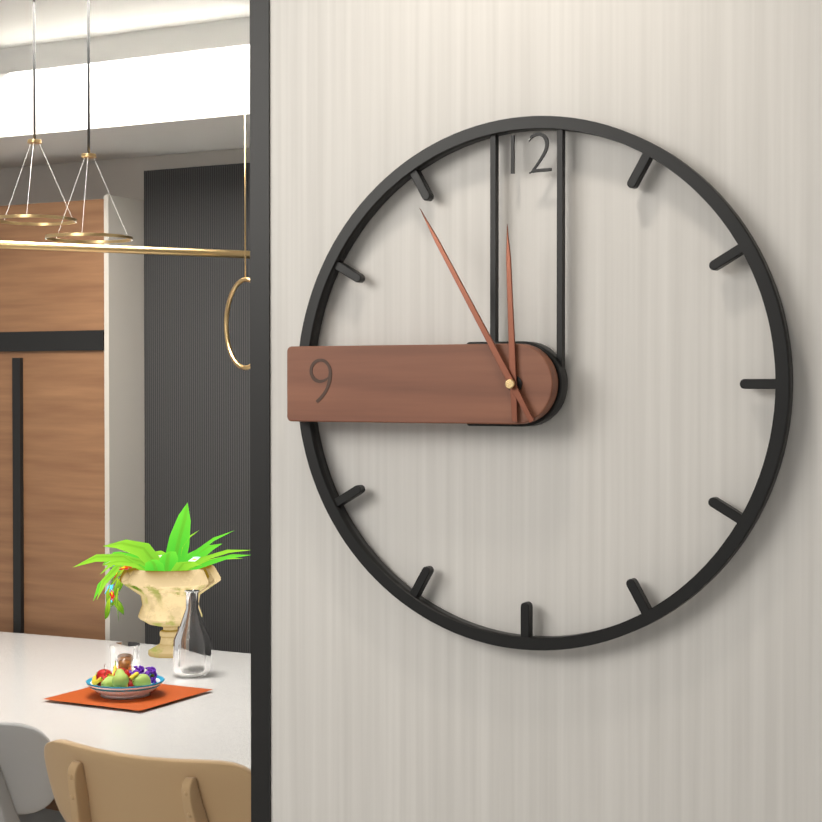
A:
11 h 55 min
